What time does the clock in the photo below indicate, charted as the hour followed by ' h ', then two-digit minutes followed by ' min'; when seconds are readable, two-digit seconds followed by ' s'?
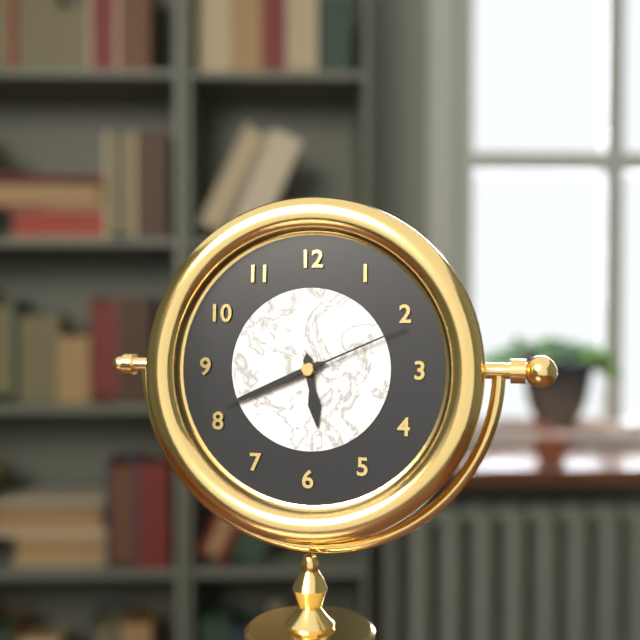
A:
5 h 41 min 11 s
